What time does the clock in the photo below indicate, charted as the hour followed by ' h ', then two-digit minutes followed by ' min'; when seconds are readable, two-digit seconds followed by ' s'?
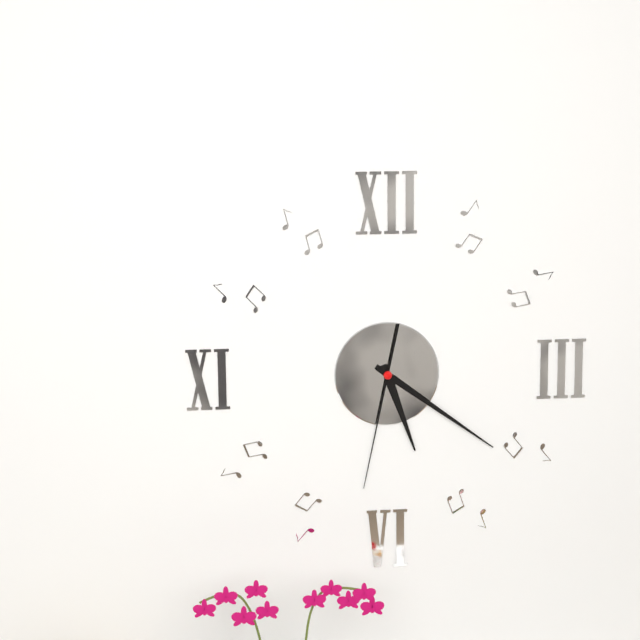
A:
5 h 21 min 32 s
